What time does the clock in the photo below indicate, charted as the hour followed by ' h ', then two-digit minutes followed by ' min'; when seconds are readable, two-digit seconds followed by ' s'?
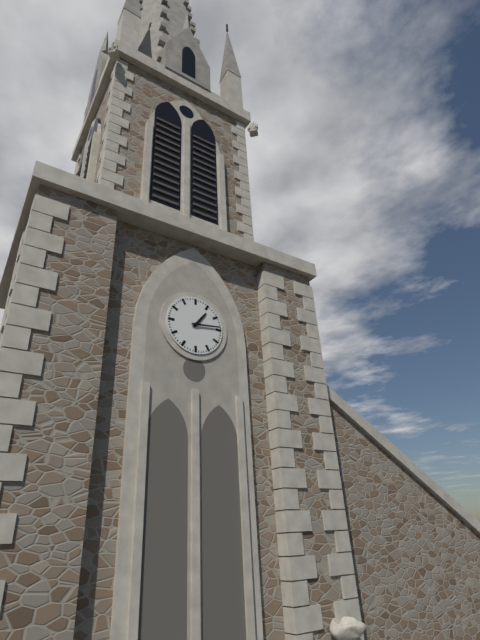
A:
1 h 14 min
